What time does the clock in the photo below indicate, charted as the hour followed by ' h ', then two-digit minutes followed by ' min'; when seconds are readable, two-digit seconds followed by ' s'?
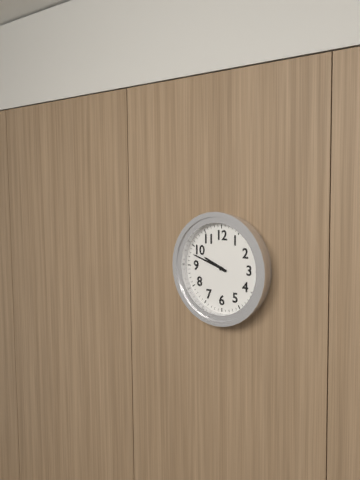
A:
9 h 48 min
